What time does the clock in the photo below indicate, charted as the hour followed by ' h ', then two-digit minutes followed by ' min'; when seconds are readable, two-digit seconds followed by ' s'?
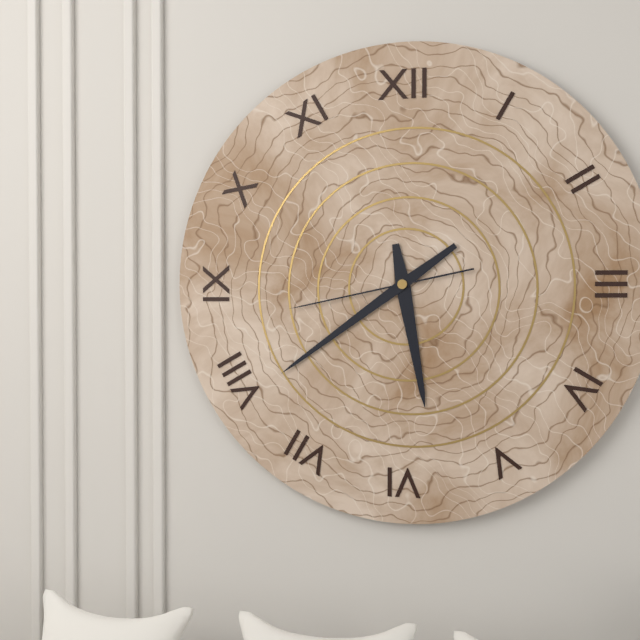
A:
5 h 39 min 43 s
